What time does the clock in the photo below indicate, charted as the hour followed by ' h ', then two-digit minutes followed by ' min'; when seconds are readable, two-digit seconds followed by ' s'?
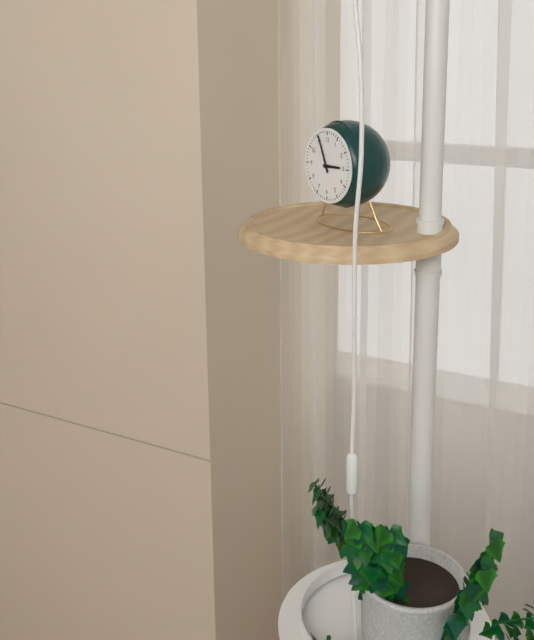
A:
2 h 56 min
